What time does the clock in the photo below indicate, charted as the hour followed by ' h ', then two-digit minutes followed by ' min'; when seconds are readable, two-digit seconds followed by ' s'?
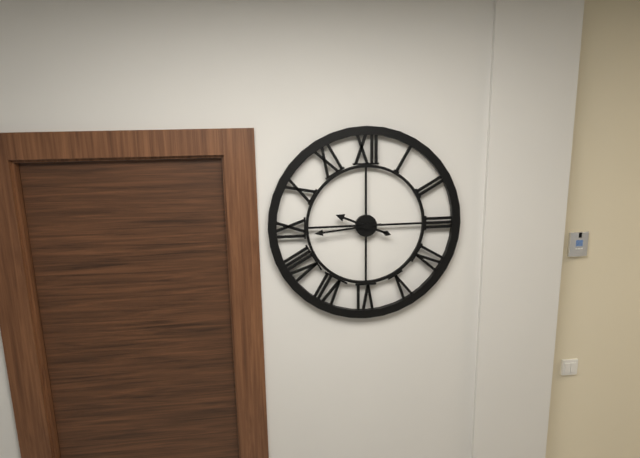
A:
9 h 44 min
